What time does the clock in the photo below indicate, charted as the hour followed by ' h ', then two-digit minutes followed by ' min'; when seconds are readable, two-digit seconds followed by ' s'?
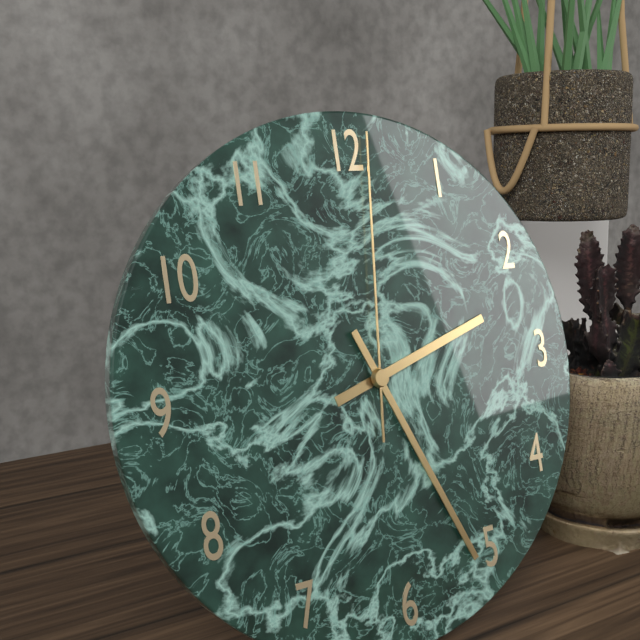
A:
2 h 26 min 01 s
